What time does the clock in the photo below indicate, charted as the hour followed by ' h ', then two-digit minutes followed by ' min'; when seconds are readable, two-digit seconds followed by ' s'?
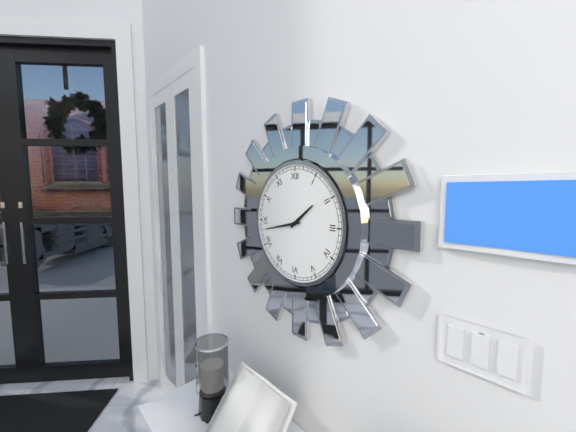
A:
1 h 43 min
